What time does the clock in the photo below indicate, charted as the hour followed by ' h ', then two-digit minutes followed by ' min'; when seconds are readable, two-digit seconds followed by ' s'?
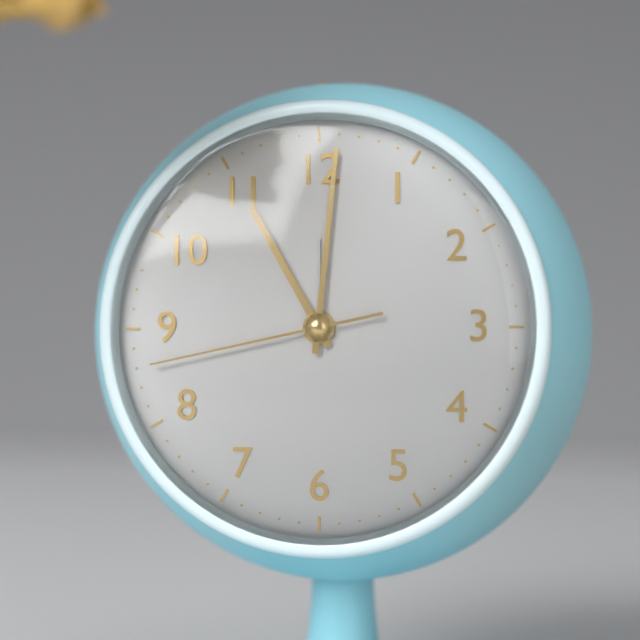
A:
11 h 01 min 43 s
